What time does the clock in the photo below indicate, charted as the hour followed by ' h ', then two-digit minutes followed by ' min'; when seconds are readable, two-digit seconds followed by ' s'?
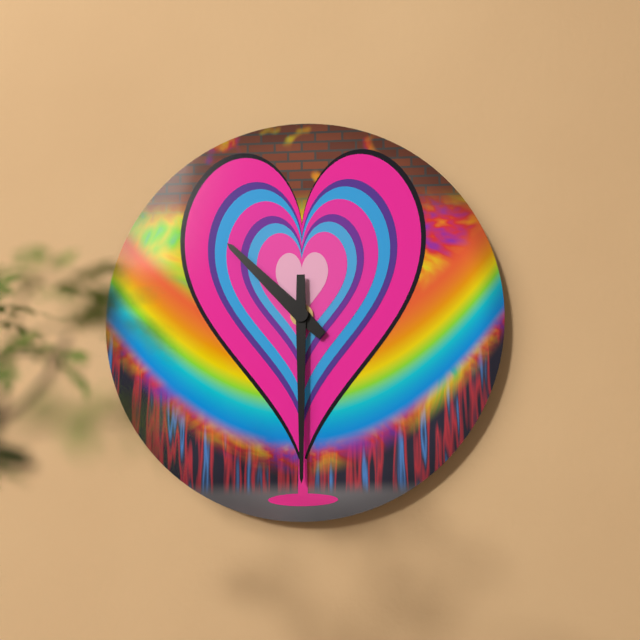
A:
10 h 30 min
